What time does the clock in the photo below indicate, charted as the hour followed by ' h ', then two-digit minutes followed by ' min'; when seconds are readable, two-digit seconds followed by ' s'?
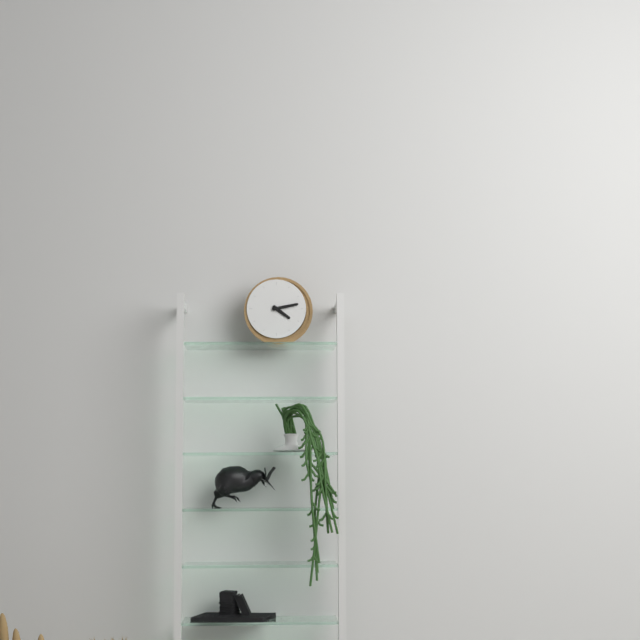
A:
4 h 13 min
